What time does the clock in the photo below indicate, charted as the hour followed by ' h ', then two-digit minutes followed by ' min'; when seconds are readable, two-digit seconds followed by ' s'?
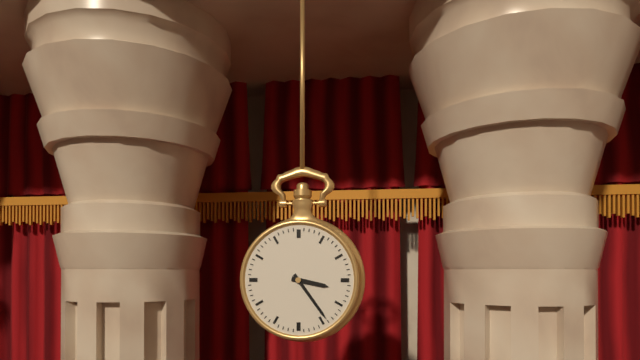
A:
3 h 24 min
